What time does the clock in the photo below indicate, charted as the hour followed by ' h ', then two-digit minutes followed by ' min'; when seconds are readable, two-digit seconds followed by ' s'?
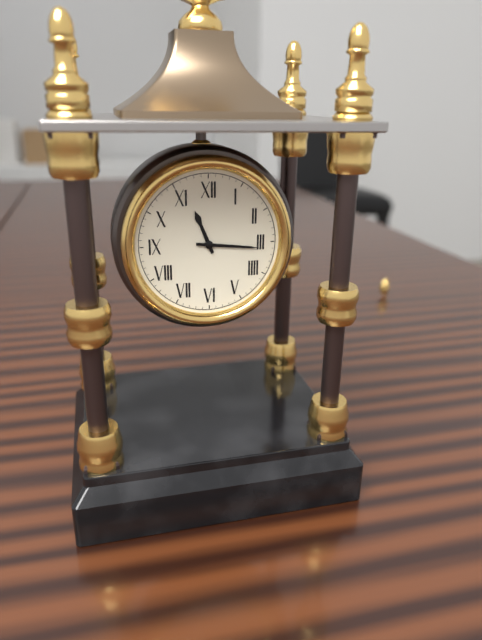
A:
11 h 16 min
